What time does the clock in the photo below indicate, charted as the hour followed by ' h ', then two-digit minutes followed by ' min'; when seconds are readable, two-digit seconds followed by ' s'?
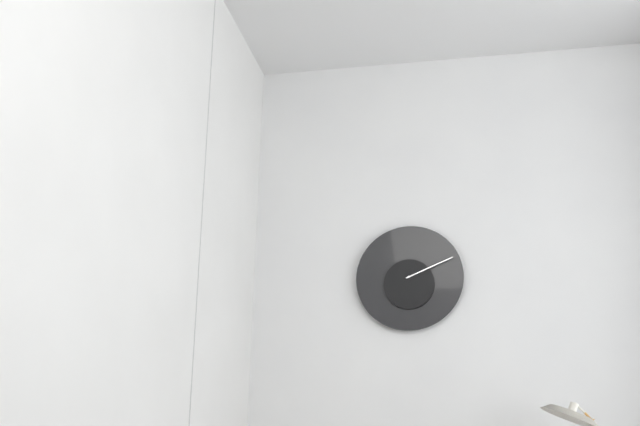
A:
2 h 11 min
